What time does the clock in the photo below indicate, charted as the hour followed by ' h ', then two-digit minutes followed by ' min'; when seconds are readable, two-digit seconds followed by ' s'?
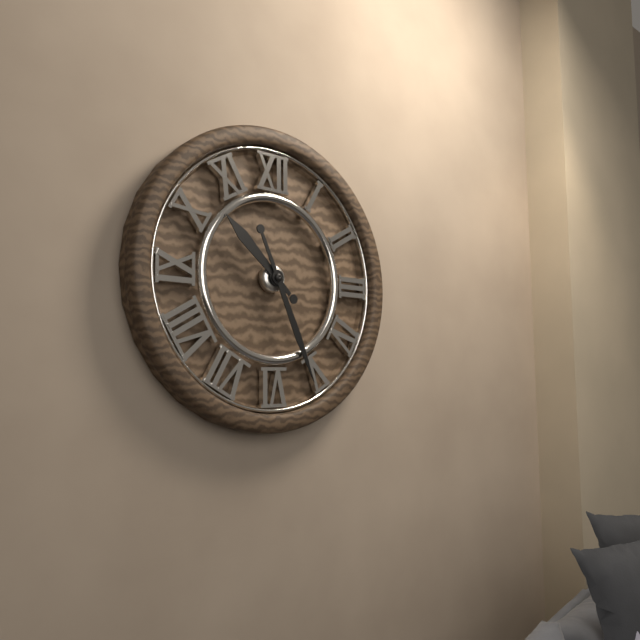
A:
10 h 26 min
